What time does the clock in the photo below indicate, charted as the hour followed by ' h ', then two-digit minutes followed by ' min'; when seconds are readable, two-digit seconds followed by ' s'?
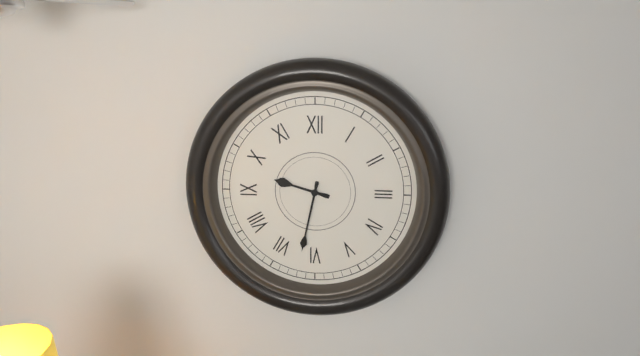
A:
9 h 32 min
